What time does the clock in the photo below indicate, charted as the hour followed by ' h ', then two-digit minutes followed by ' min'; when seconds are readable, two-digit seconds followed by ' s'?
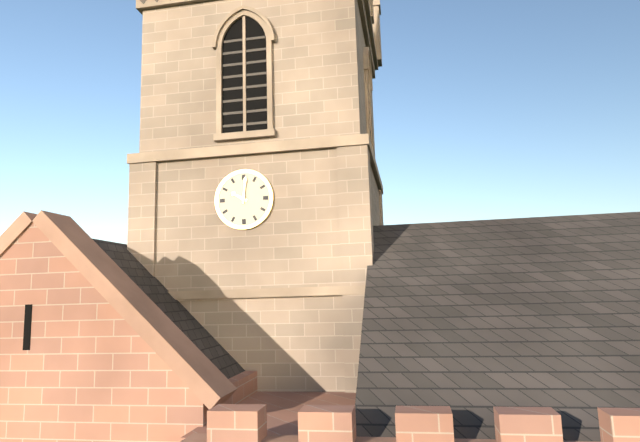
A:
10 h 01 min
